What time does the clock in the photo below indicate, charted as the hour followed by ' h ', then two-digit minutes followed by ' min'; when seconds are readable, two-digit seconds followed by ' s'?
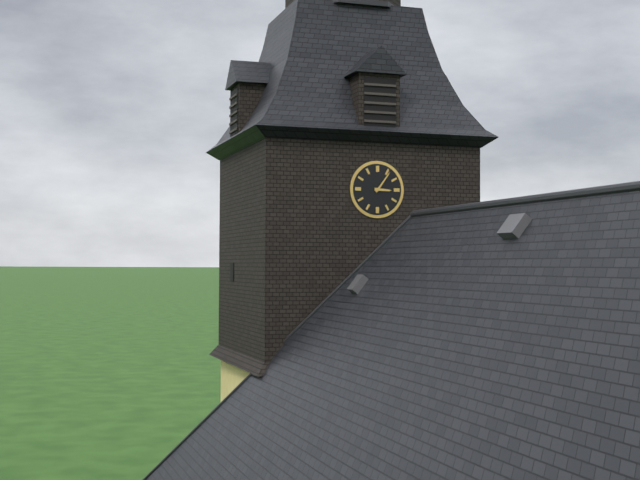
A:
3 h 06 min
